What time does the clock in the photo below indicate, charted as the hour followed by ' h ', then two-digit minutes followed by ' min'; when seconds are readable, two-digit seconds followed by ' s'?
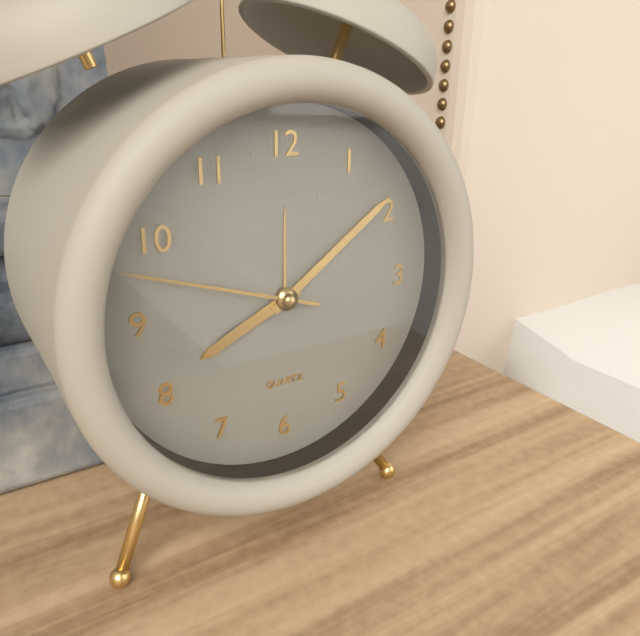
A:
8 h 09 min 48 s
